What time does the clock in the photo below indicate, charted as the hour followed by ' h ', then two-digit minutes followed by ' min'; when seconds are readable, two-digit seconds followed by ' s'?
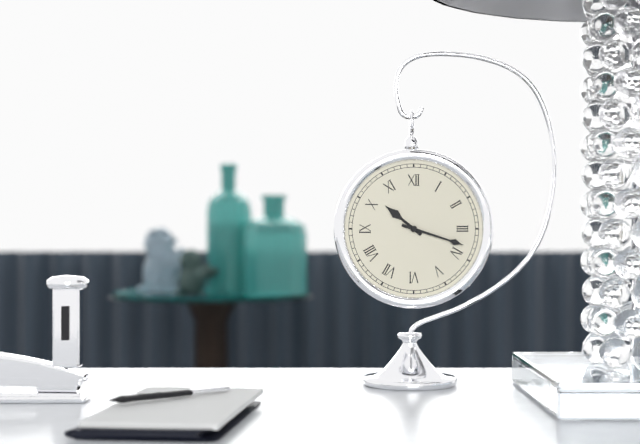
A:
10 h 18 min
